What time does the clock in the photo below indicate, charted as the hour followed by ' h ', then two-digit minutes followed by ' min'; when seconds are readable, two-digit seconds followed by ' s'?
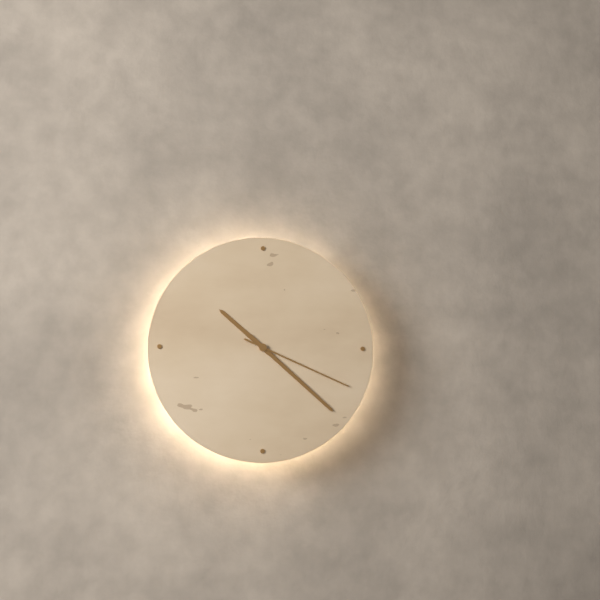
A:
10 h 22 min 19 s
